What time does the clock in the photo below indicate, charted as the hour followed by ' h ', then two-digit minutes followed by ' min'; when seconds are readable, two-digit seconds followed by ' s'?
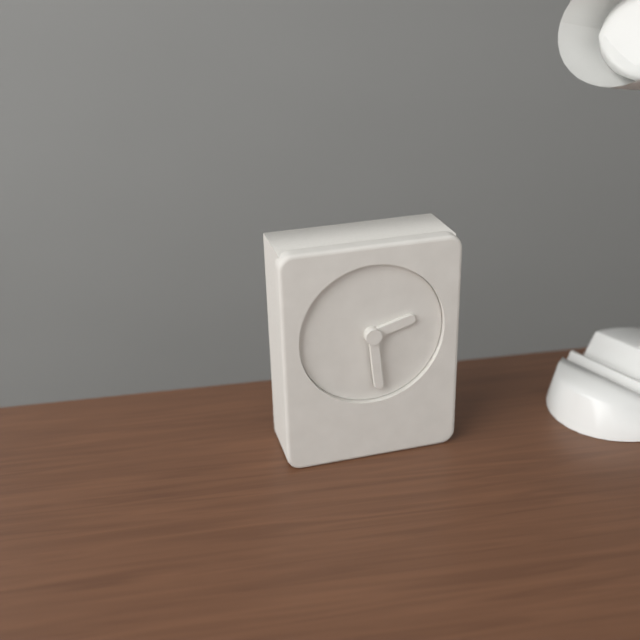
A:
2 h 29 min
